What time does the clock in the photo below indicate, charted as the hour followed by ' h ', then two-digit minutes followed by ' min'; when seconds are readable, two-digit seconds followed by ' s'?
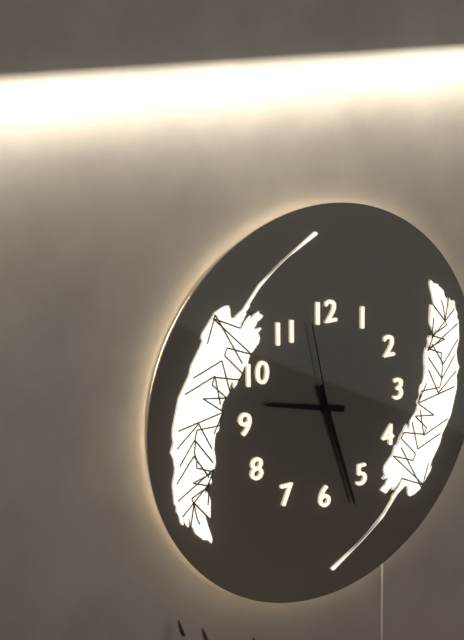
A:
9 h 27 min 58 s
